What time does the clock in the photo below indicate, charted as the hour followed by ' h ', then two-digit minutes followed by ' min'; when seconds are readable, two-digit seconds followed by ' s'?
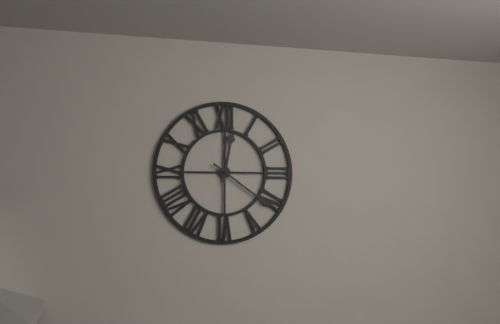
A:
12 h 21 min
